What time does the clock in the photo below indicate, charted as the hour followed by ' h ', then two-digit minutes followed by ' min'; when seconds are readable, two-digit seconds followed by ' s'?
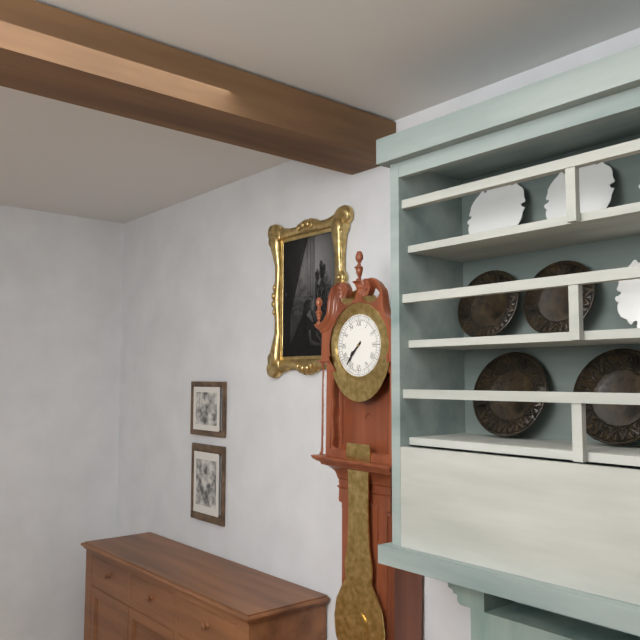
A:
7 h 37 min
